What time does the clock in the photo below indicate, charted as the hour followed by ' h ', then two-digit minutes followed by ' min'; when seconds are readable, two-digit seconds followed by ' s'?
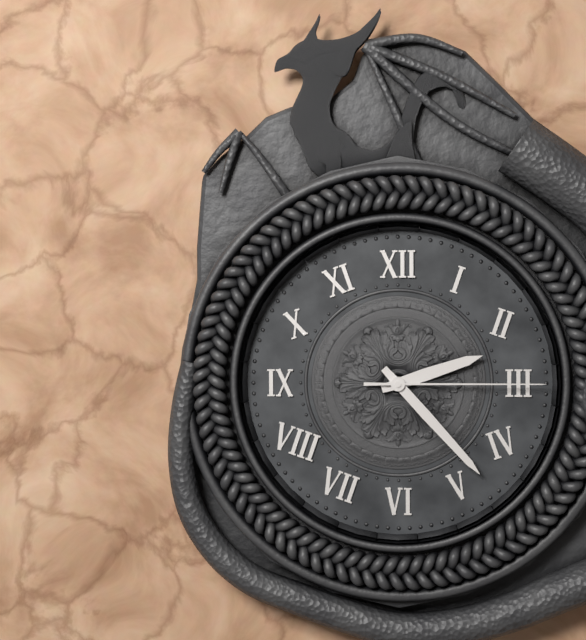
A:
2 h 23 min 15 s
